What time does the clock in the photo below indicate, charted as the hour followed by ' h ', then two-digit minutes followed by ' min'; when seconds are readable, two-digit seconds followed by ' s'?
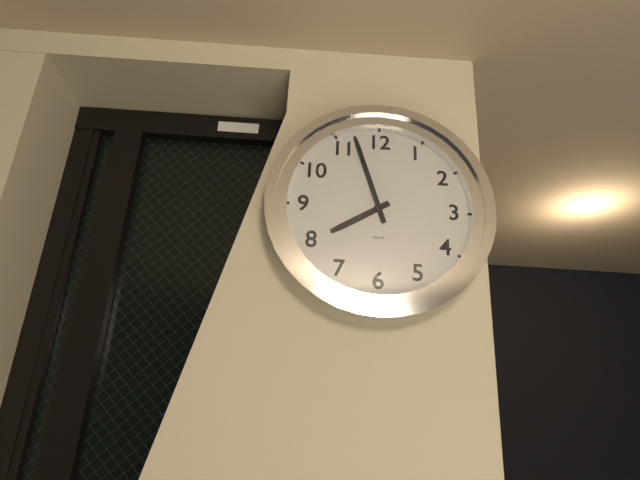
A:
7 h 57 min
